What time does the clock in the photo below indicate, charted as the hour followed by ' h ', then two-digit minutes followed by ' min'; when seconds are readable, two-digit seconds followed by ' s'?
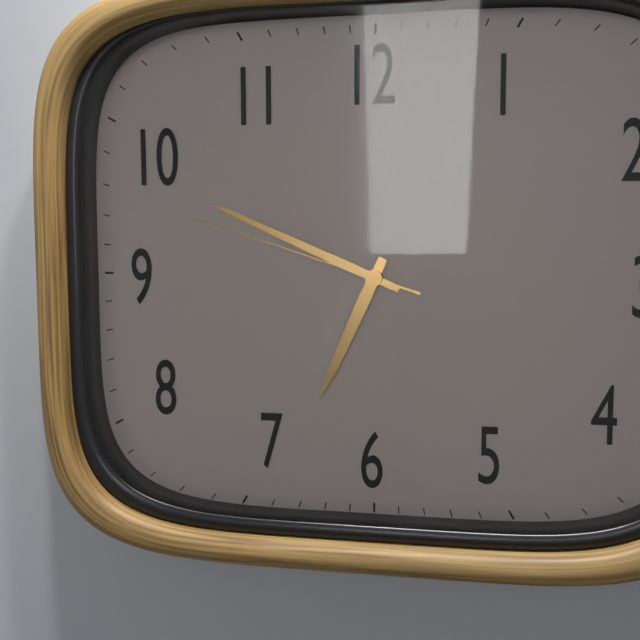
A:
6 h 49 min 48 s
